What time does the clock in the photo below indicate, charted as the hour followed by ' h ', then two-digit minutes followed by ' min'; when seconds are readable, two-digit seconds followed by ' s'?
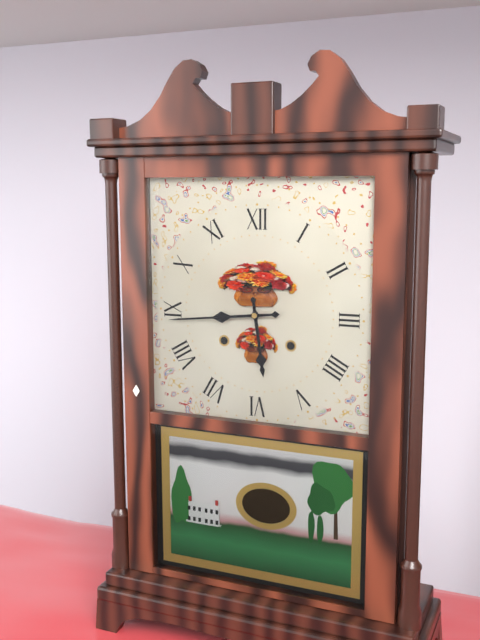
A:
5 h 44 min
